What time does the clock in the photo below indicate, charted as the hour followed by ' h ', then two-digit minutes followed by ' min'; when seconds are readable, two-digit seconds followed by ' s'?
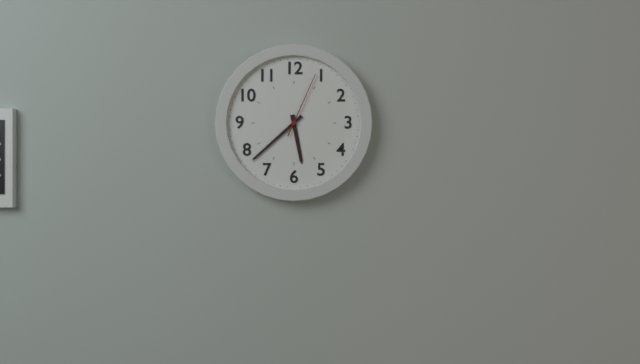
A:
5 h 38 min 04 s
